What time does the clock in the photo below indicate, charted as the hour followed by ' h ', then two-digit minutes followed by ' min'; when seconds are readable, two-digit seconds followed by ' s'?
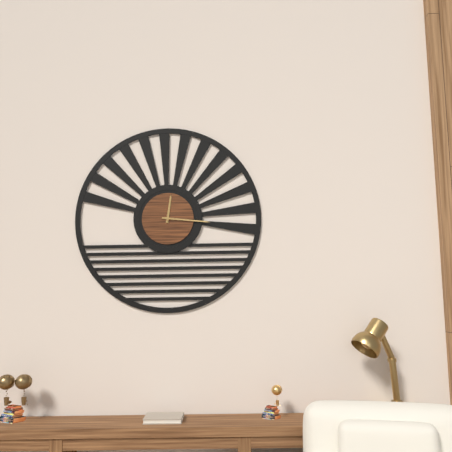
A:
12 h 16 min
